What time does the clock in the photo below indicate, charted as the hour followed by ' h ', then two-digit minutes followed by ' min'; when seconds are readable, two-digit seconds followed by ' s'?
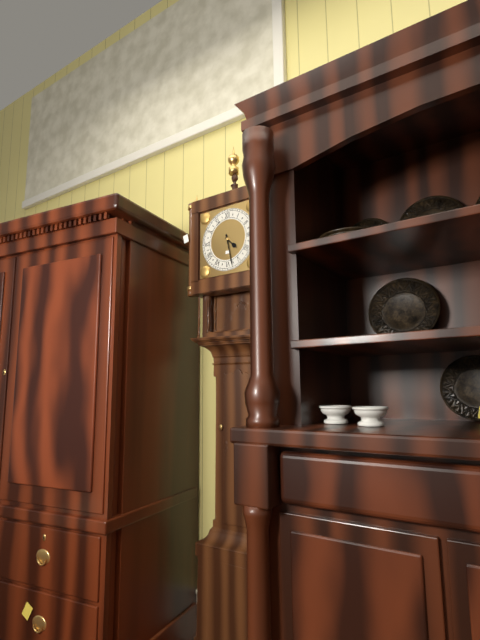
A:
4 h 28 min
